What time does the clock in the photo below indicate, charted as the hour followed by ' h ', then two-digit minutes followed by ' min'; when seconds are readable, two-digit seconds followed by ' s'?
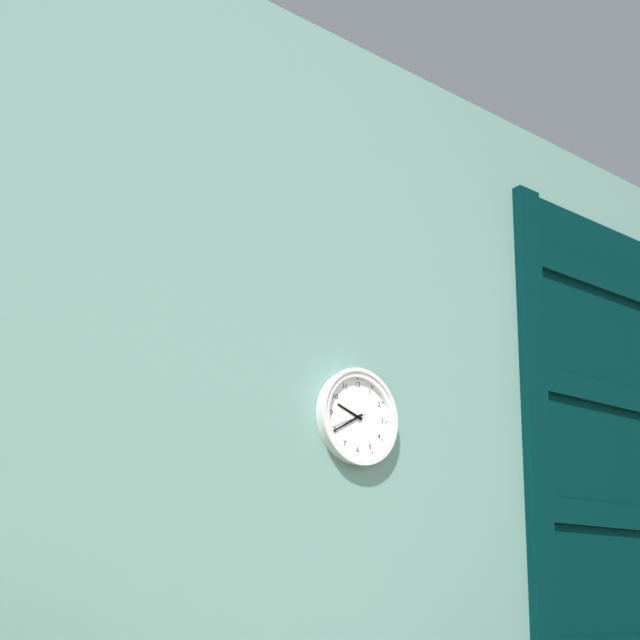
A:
9 h 40 min
